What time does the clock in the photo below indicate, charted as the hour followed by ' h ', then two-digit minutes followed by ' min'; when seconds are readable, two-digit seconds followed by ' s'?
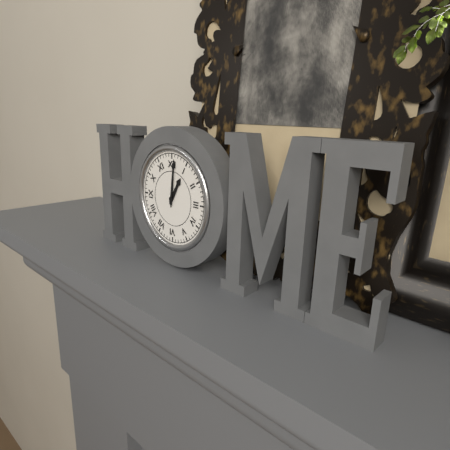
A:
1 h 01 min
